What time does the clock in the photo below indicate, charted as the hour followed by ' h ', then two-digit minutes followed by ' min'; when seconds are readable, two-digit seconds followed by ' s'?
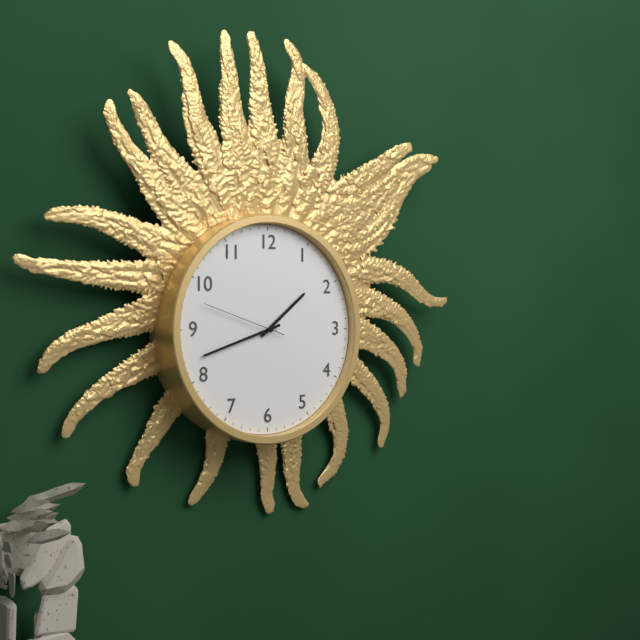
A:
1 h 42 min 48 s
